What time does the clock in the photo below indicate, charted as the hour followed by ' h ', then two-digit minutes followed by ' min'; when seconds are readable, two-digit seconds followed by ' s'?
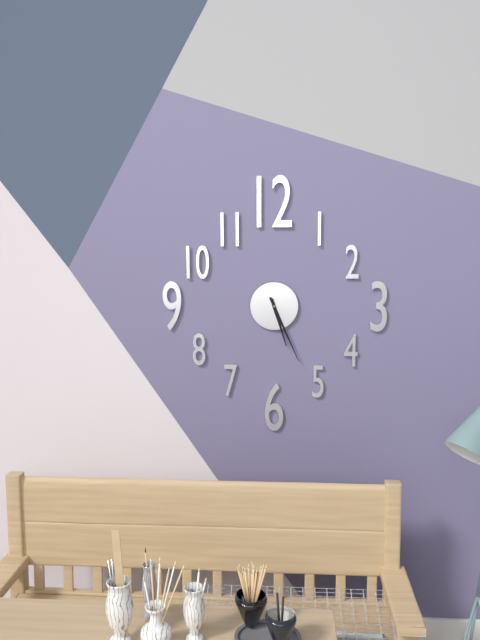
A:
5 h 26 min
